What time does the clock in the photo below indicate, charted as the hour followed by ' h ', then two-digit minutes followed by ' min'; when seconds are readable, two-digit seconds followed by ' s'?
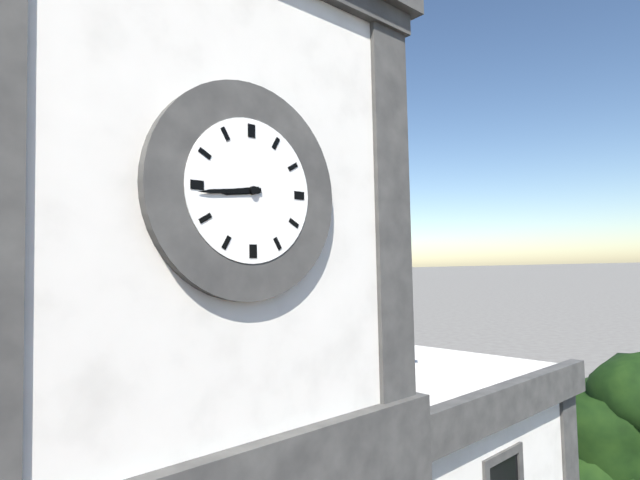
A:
8 h 44 min
